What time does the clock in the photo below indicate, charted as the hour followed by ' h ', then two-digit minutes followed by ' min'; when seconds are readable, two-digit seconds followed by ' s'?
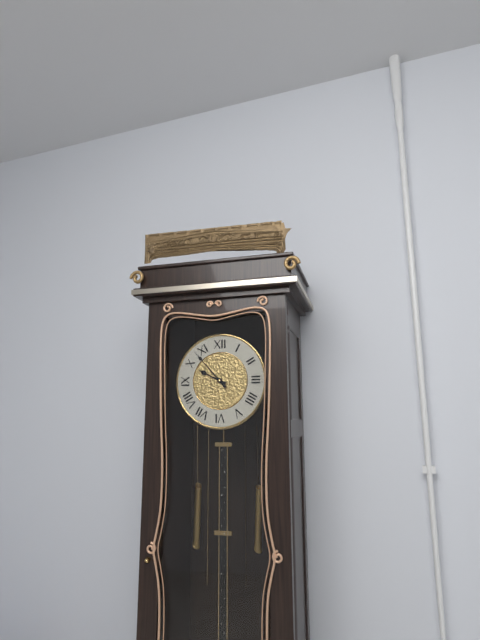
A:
9 h 53 min
